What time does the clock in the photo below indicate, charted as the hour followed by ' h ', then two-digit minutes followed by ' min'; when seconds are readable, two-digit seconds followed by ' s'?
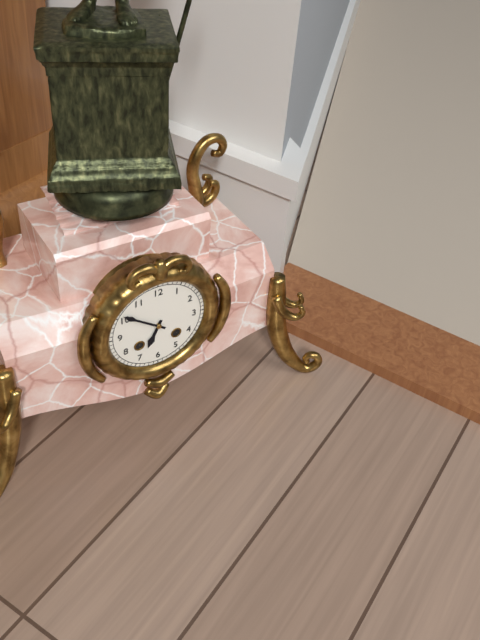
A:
6 h 51 min
